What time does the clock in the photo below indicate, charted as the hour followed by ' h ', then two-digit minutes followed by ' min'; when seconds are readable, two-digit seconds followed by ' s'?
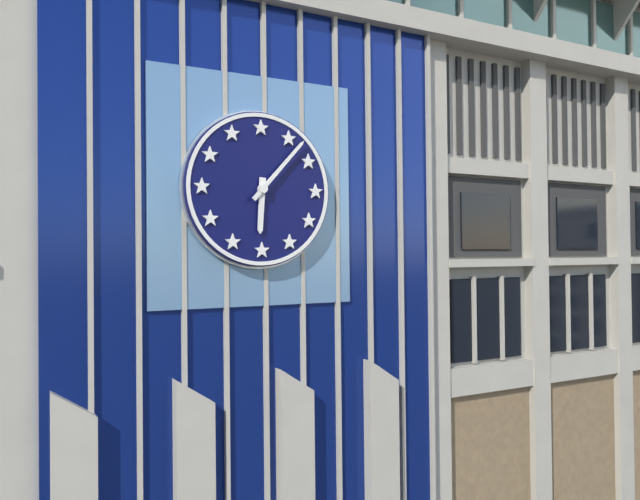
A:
6 h 07 min
